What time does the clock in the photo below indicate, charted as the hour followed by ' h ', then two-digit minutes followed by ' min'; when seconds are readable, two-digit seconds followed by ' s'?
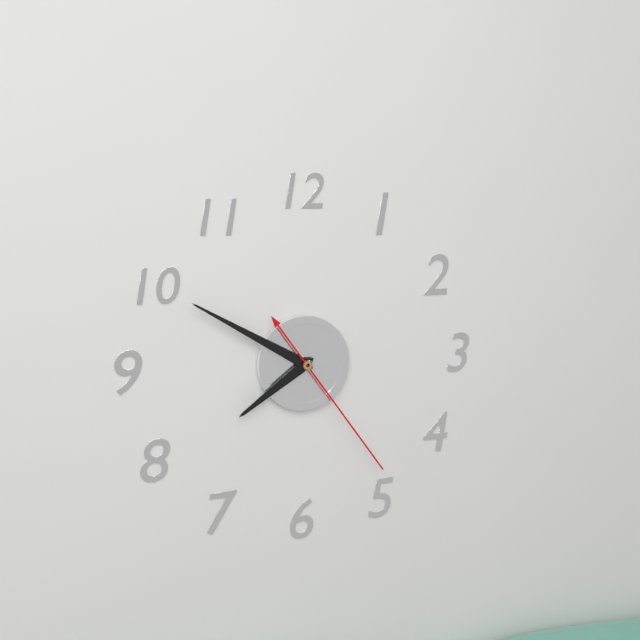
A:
7 h 50 min 24 s
